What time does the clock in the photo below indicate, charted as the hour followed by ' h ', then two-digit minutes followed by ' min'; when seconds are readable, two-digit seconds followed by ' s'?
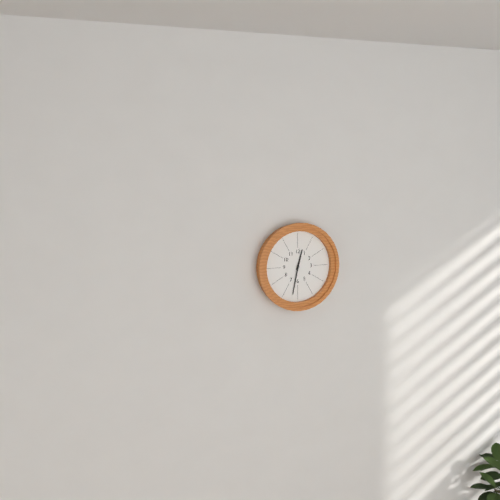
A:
12 h 32 min
